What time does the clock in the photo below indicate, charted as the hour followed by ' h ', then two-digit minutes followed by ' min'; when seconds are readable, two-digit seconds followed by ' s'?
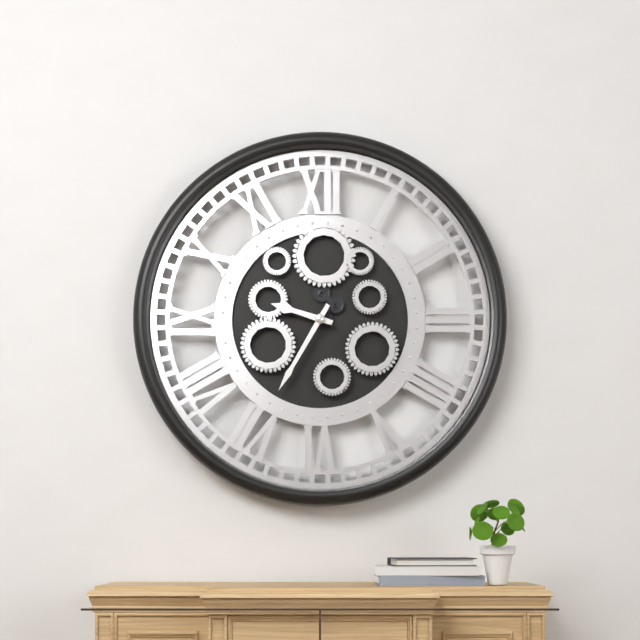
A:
9 h 35 min
